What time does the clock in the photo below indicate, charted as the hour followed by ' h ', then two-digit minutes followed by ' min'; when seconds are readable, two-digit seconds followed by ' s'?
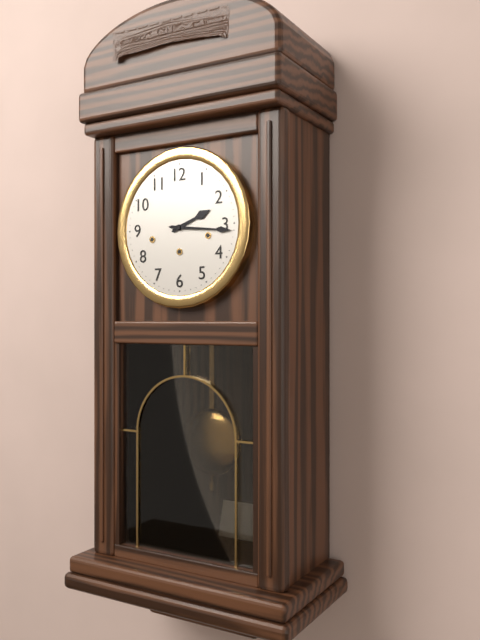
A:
2 h 16 min
